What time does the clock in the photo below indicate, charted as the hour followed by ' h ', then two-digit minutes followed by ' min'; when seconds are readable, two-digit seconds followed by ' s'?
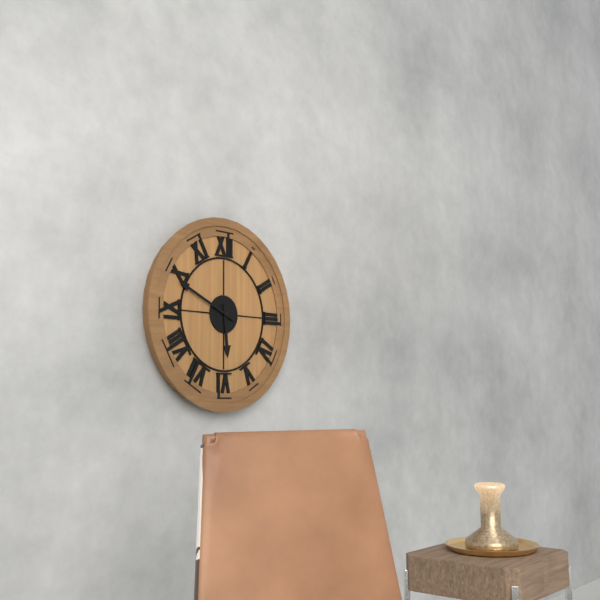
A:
5 h 49 min
